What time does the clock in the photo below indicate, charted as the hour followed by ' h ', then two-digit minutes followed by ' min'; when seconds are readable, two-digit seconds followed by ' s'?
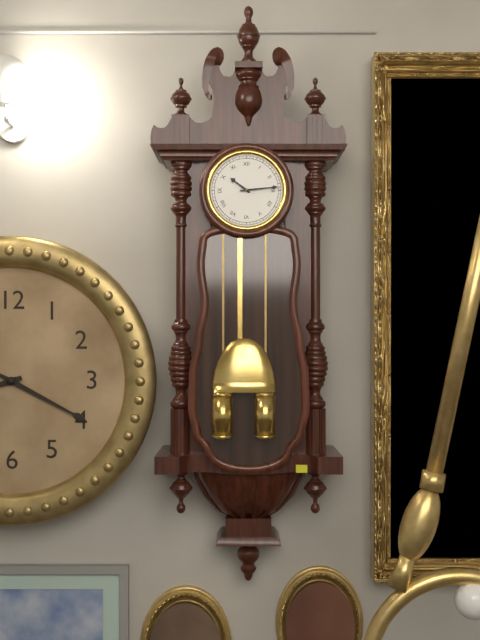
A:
10 h 14 min
